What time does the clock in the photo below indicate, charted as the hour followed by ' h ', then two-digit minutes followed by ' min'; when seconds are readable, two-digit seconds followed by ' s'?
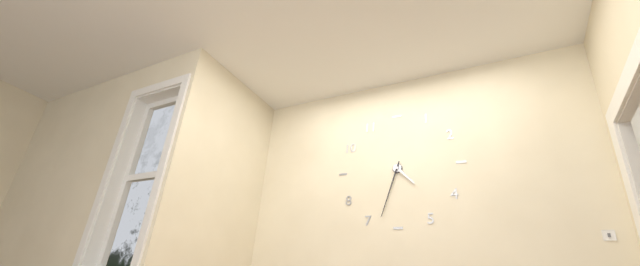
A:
4 h 33 min
